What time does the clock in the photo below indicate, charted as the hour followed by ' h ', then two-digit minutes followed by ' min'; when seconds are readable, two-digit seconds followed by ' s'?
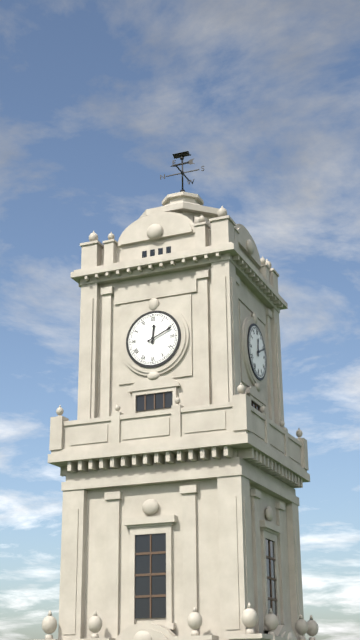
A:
12 h 11 min
